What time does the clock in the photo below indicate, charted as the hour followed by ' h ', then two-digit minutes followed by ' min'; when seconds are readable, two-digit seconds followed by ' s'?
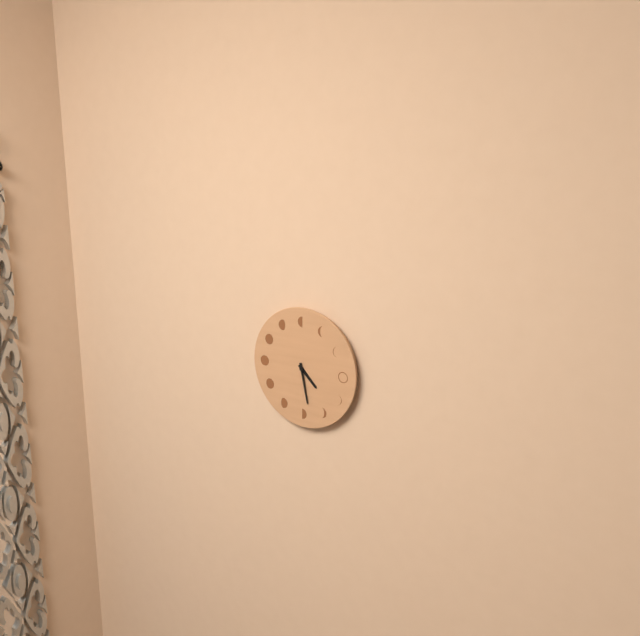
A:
4 h 28 min
